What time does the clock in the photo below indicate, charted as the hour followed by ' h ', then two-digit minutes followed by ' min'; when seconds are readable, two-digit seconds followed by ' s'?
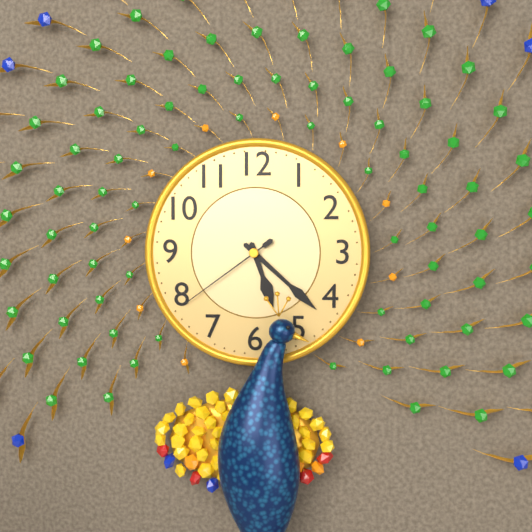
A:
5 h 22 min 39 s
